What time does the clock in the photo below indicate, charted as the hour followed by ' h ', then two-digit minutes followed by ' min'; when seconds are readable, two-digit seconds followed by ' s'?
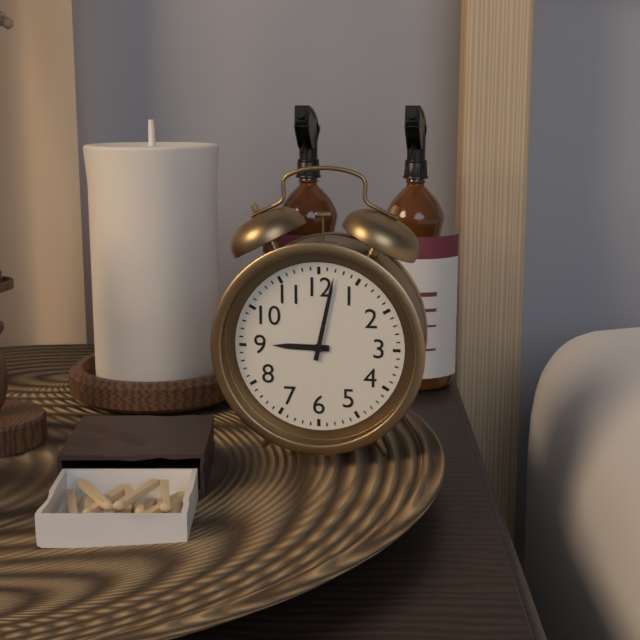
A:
9 h 02 min
